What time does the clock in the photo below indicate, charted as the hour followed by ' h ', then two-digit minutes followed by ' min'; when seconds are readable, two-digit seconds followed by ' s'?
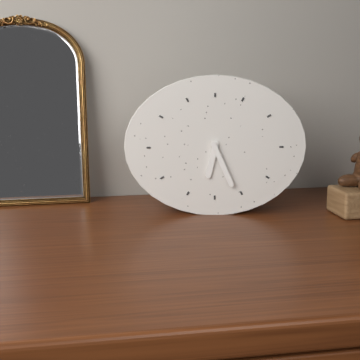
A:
6 h 26 min
